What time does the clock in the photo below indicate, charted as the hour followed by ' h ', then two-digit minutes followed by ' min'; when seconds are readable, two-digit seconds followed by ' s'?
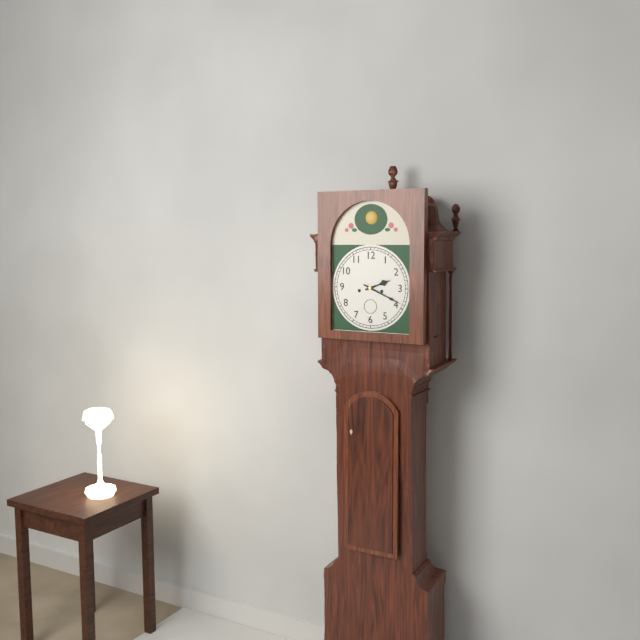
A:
2 h 19 min
